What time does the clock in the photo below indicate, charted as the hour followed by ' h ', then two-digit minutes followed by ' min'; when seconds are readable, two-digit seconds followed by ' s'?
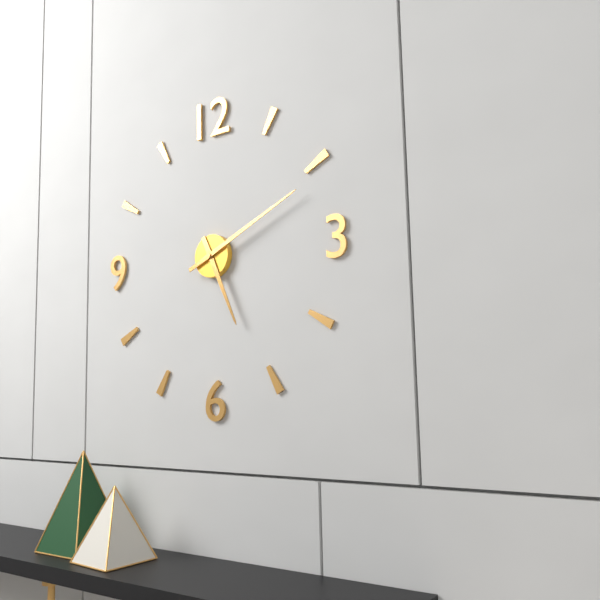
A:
5 h 11 min
